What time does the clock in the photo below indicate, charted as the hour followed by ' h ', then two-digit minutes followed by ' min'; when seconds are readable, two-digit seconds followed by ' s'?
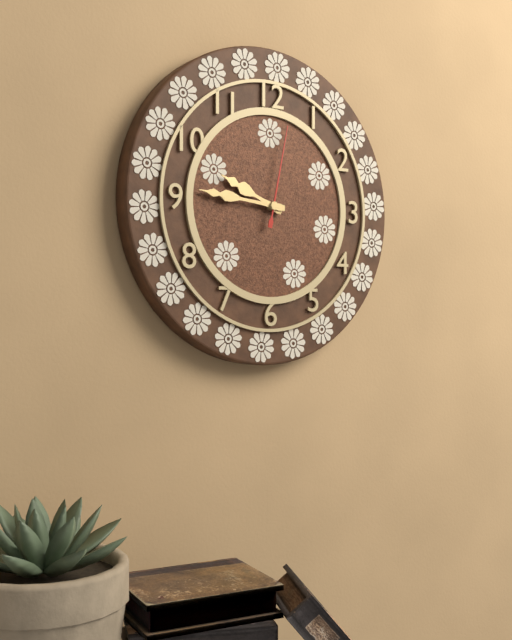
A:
9 h 46 min 02 s
